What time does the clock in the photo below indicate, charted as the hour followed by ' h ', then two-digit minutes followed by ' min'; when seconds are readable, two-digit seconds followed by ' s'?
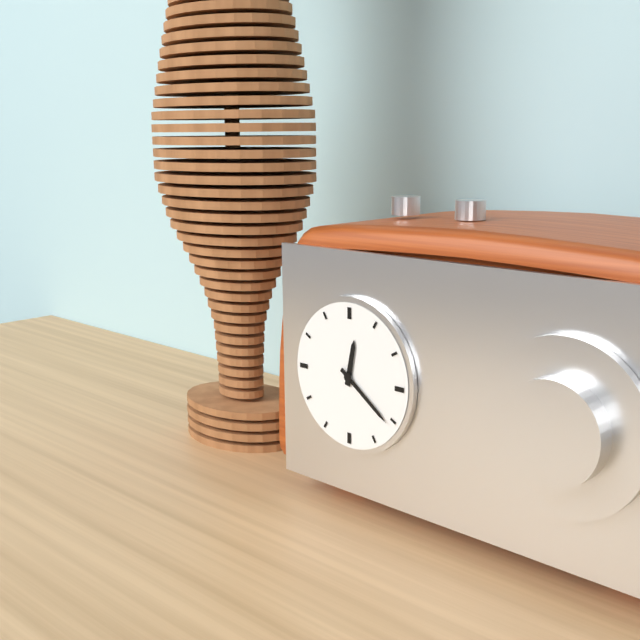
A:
12 h 21 min
